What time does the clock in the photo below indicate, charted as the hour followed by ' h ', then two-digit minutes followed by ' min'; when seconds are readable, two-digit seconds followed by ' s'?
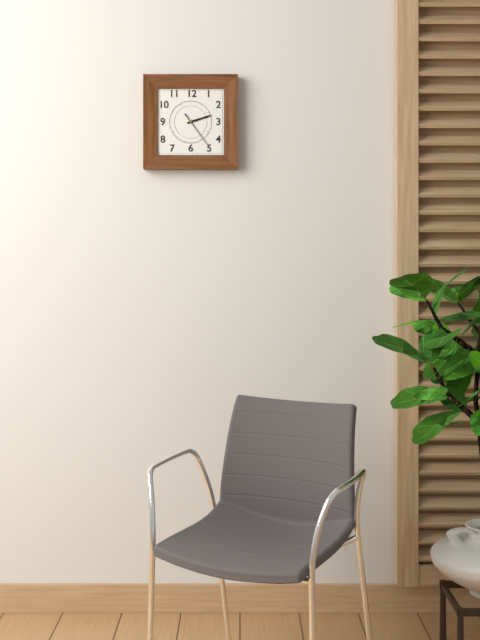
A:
2 h 24 min
